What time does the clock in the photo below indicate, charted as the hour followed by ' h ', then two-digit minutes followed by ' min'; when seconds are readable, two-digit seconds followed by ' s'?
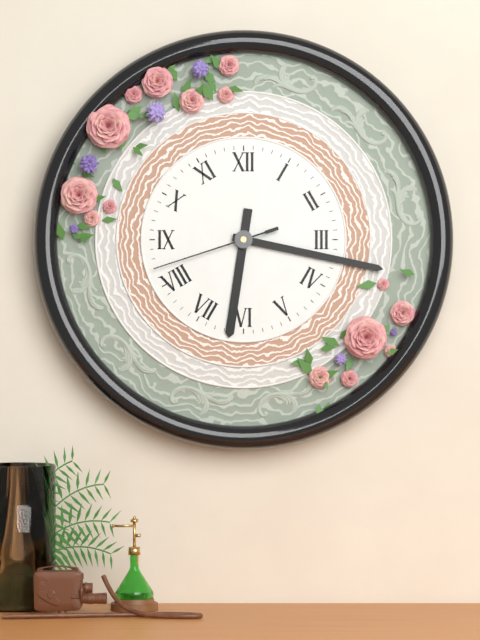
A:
6 h 17 min 42 s
